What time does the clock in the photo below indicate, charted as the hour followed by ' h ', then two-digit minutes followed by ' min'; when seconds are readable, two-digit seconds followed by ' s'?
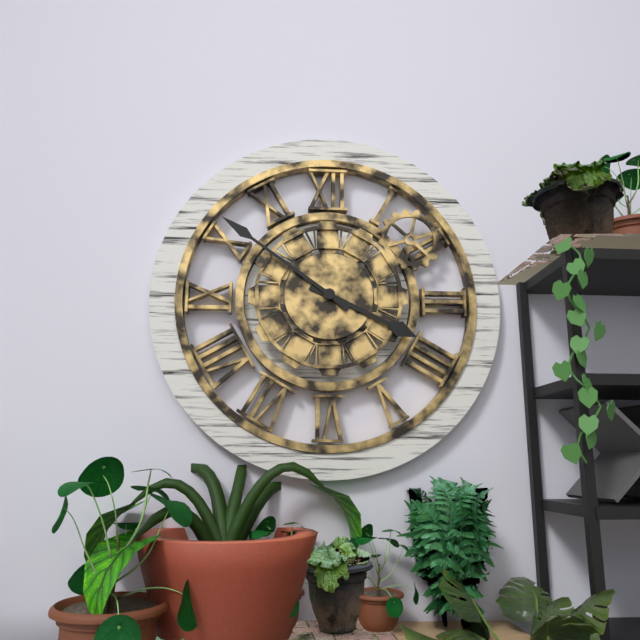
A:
3 h 51 min
